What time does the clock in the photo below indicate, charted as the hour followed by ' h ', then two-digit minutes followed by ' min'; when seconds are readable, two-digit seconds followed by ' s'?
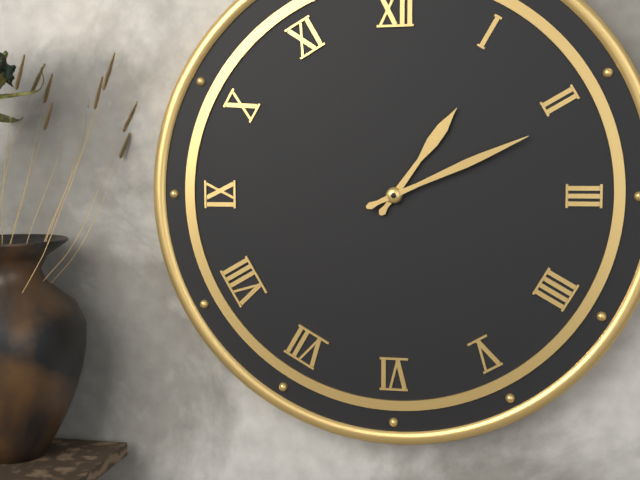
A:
1 h 11 min
